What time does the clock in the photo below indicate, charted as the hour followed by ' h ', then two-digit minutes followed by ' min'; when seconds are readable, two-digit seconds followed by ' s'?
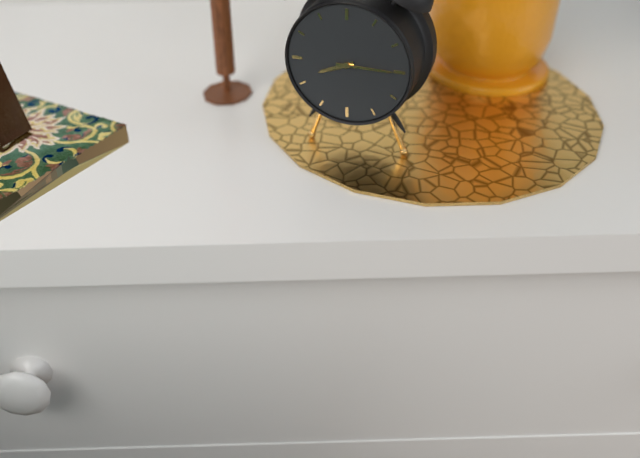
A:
8 h 15 min
